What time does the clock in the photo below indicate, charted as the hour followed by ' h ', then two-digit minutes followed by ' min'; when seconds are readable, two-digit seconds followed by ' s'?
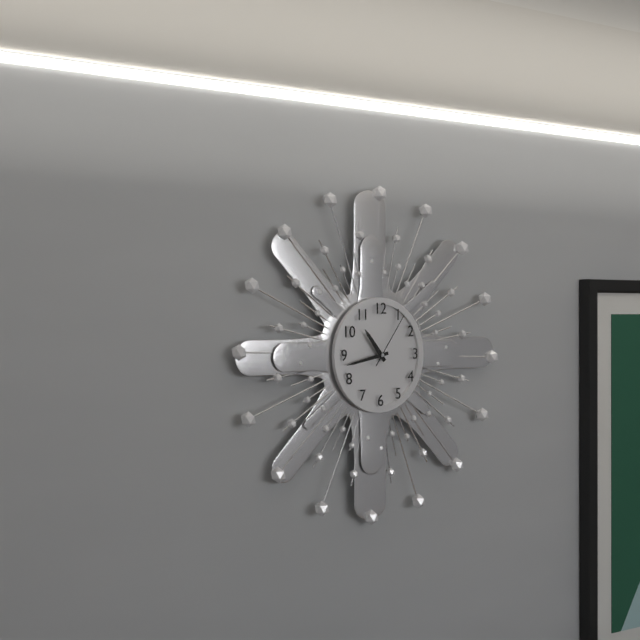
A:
10 h 43 min 06 s
